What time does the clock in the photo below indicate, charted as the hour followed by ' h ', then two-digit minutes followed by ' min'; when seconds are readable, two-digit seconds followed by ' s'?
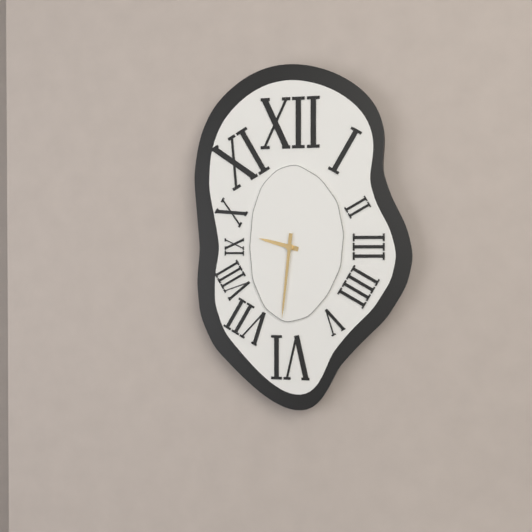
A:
9 h 31 min
